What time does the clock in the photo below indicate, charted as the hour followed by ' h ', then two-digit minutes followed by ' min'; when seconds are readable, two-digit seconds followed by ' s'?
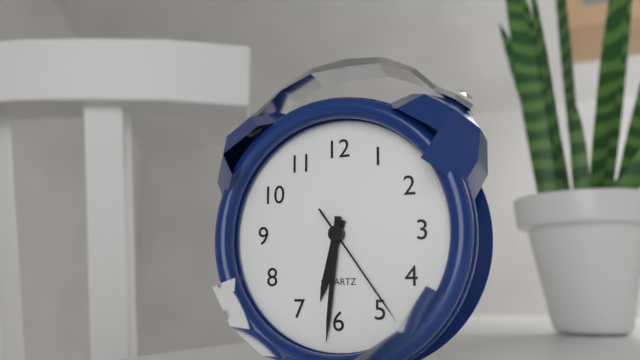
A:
6 h 31 min 24 s
